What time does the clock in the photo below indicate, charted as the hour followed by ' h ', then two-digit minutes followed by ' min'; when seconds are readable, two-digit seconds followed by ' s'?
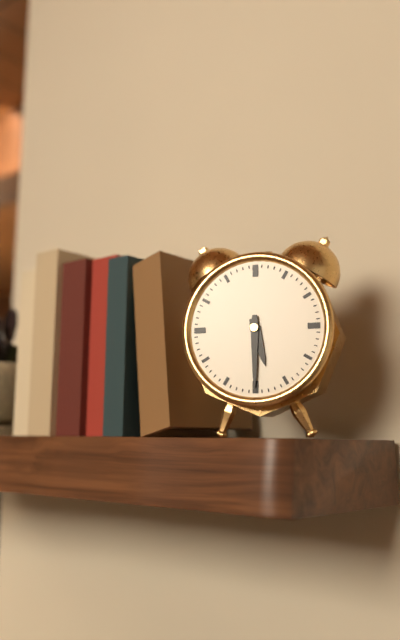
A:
5 h 30 min
